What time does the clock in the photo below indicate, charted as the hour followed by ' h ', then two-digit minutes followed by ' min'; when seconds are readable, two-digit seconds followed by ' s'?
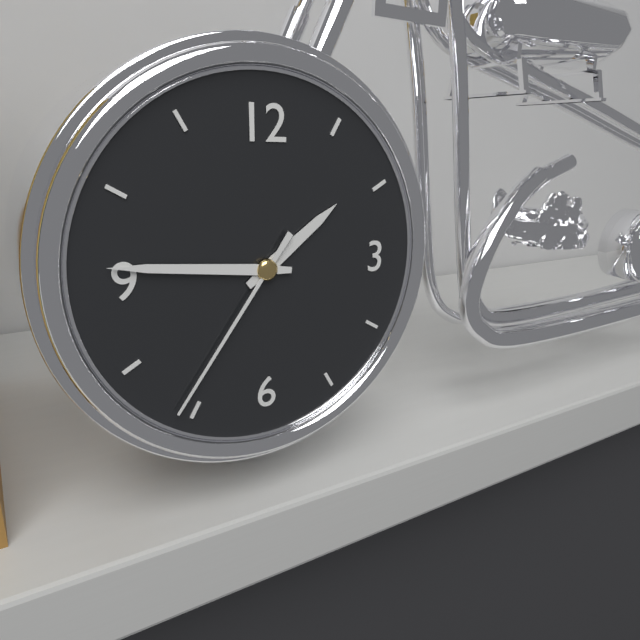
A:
1 h 46 min 36 s
